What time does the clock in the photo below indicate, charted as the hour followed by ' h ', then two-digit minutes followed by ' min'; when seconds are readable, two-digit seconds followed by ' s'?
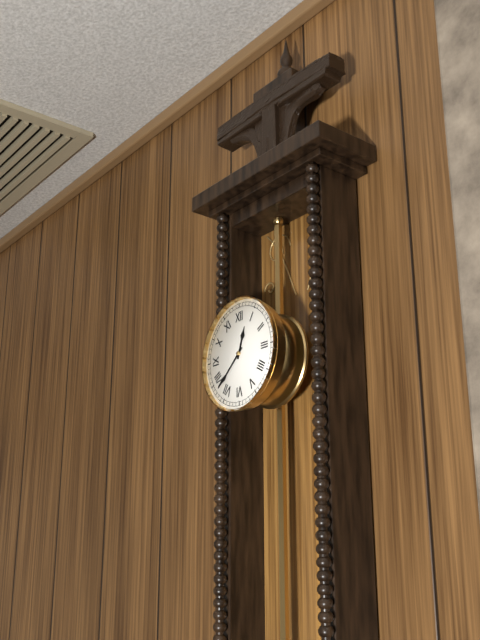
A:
12 h 38 min
